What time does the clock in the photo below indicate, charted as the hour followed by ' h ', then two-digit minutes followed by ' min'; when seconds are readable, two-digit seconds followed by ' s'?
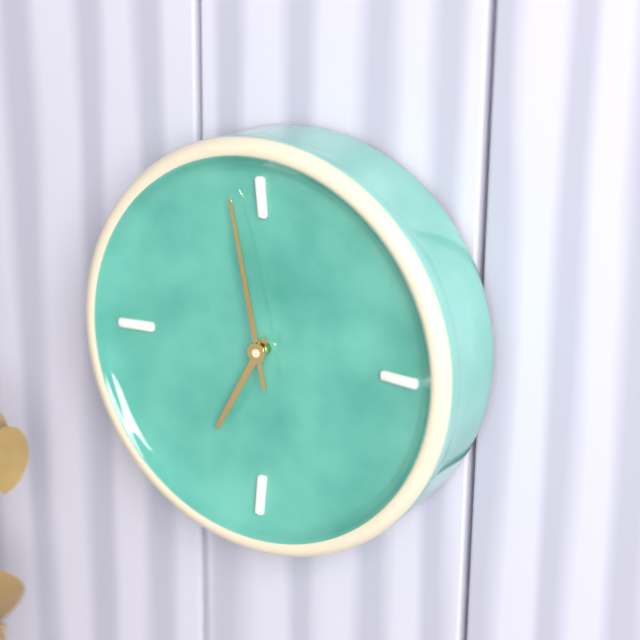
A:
6 h 58 min
